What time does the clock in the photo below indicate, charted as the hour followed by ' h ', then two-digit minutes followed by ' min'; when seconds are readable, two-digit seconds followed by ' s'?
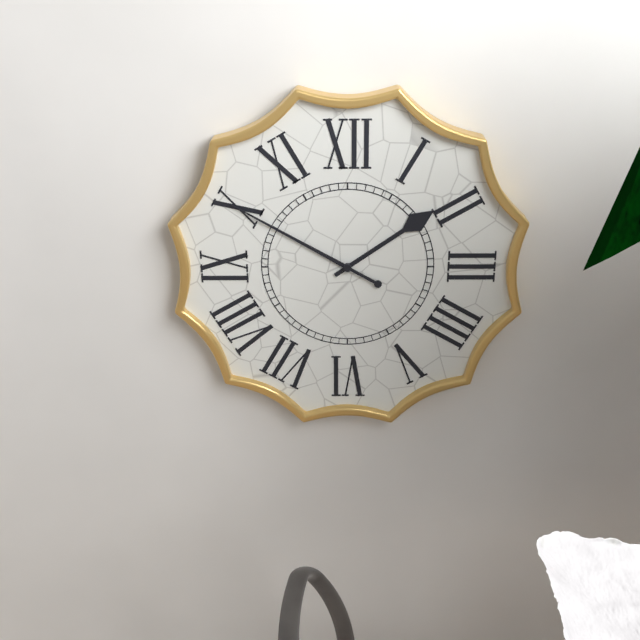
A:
1 h 50 min
